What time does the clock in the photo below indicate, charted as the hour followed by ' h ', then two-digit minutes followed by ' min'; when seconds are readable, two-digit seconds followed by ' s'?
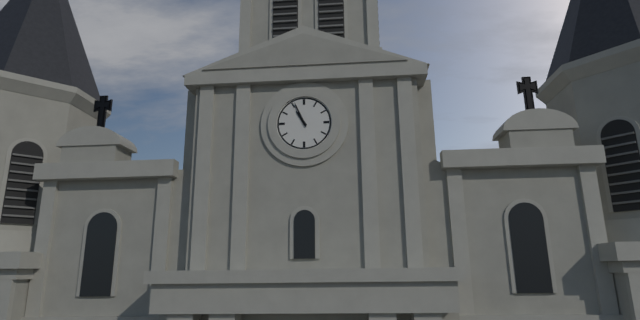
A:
10 h 56 min
